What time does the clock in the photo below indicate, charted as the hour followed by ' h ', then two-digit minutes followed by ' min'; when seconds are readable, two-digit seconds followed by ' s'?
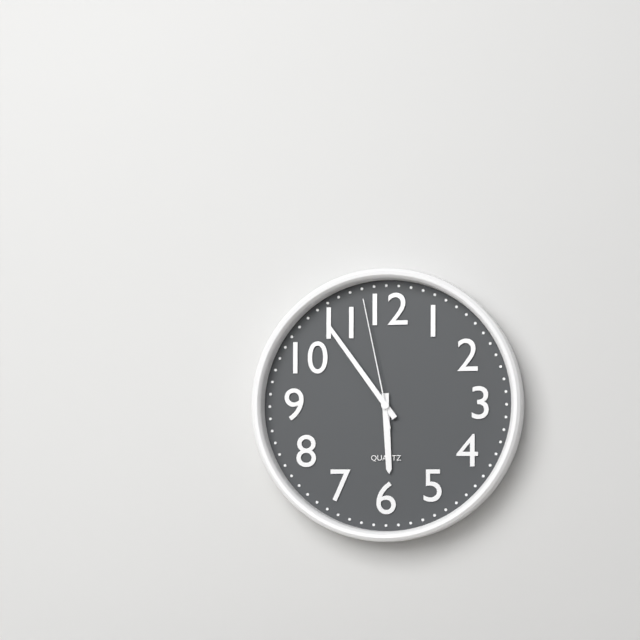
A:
5 h 54 min 58 s
